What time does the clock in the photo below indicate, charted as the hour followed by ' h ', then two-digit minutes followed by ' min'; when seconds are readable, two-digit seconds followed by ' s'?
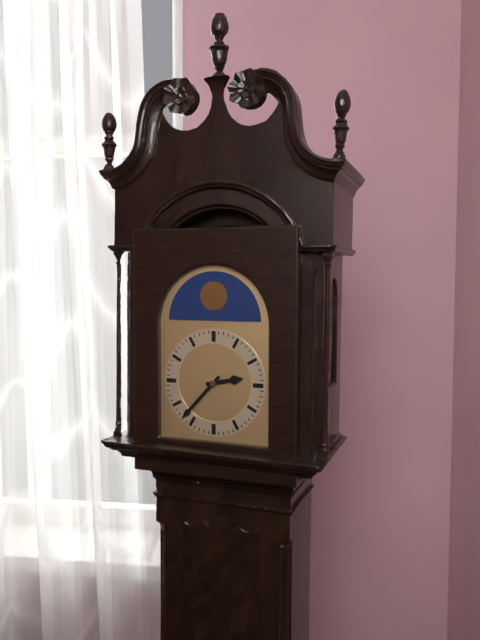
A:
2 h 37 min
